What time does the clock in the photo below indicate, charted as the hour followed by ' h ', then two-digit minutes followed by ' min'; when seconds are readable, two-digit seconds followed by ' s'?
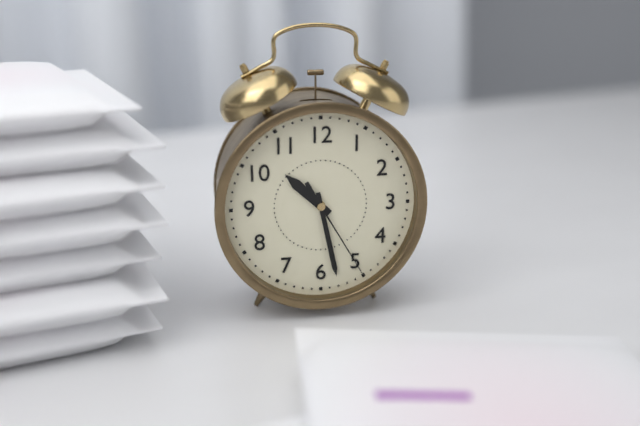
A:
10 h 28 min 25 s
